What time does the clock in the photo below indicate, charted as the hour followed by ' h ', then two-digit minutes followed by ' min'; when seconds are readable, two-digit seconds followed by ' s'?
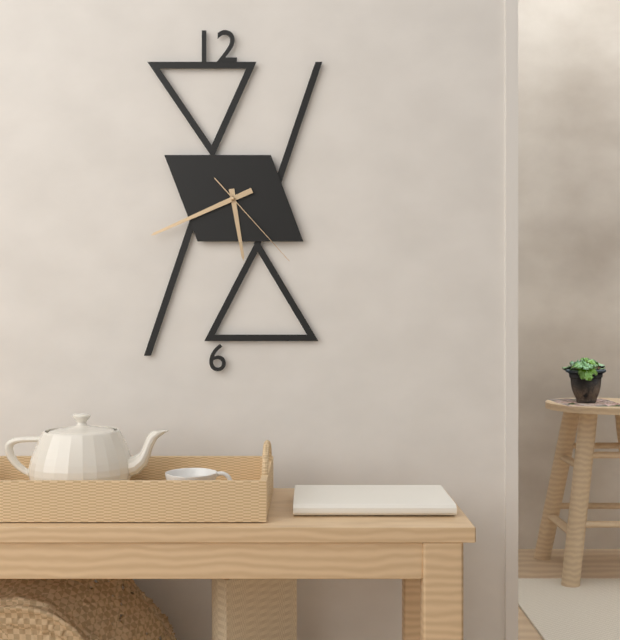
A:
5 h 41 min 23 s
